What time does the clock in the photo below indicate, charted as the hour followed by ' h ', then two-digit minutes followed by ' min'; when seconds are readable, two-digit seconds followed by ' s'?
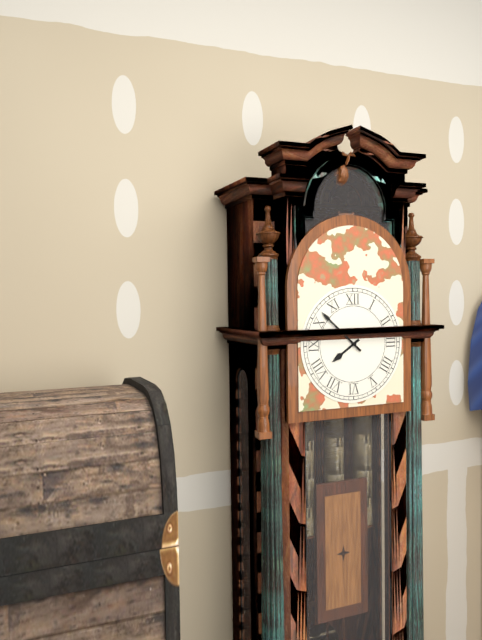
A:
7 h 52 min
